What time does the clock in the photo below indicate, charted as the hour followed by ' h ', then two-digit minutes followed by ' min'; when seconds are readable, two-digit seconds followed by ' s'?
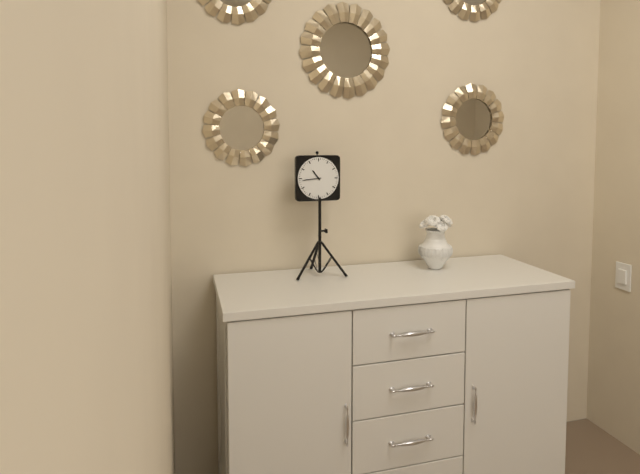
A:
10 h 44 min
